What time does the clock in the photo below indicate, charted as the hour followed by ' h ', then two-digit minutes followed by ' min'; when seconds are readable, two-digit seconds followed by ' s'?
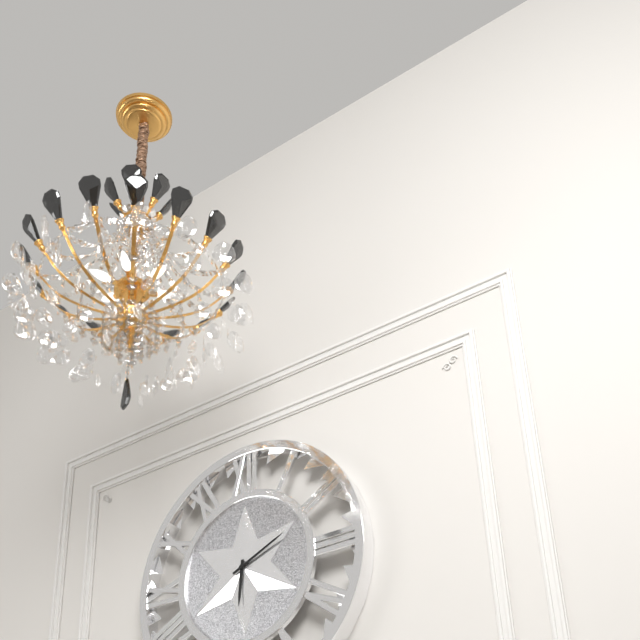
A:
6 h 11 min
